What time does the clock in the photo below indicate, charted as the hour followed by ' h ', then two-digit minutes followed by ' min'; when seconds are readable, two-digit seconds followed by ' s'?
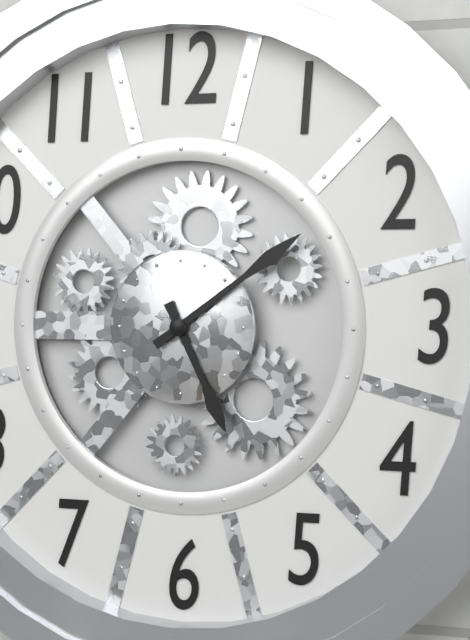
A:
5 h 09 min
